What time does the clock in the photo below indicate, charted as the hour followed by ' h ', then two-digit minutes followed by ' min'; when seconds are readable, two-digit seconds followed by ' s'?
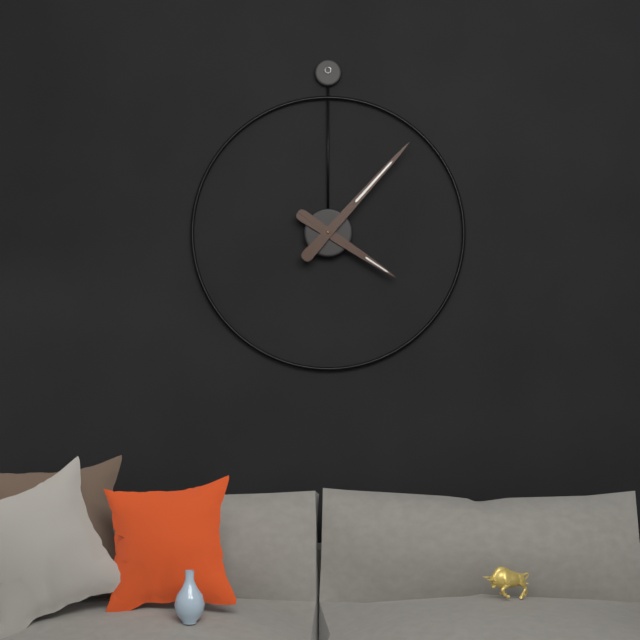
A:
4 h 07 min
